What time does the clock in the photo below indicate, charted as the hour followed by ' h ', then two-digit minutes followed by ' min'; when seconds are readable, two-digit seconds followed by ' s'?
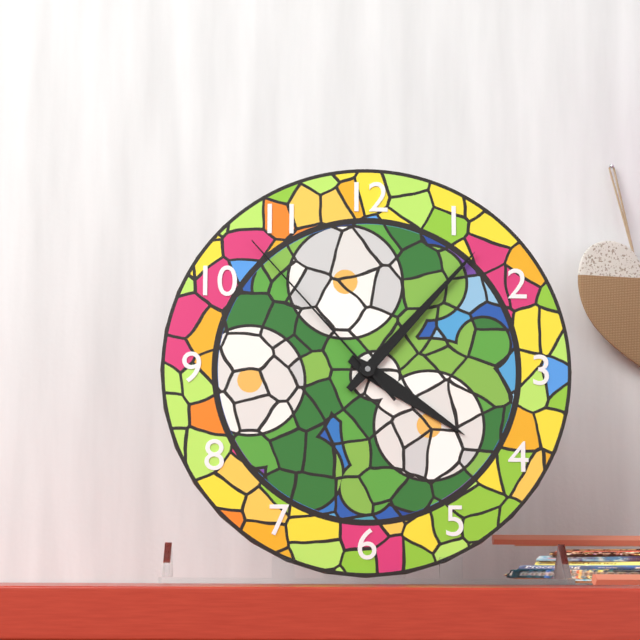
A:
4 h 07 min 53 s
